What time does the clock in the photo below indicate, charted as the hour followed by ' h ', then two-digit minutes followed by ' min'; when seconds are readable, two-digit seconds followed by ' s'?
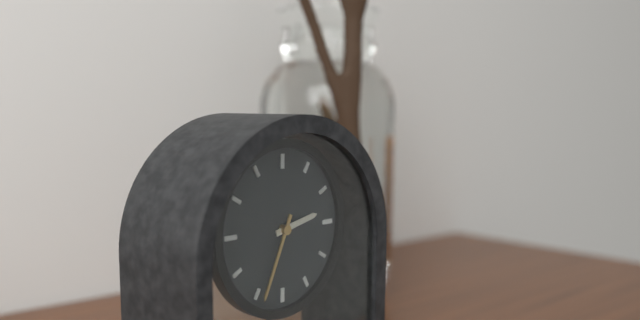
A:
2 h 34 min
